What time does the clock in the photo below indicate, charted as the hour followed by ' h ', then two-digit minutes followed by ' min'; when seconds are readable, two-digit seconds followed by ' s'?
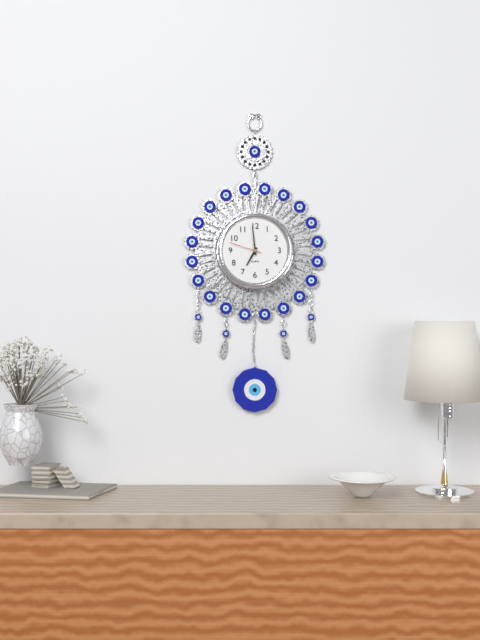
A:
6 h 59 min
